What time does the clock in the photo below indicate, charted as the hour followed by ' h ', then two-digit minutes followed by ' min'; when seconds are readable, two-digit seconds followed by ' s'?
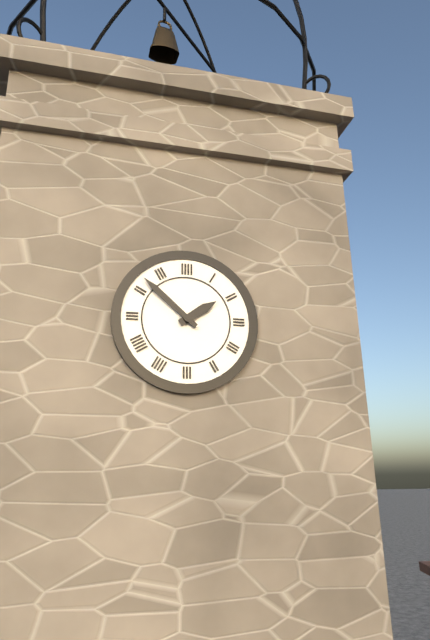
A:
1 h 52 min
